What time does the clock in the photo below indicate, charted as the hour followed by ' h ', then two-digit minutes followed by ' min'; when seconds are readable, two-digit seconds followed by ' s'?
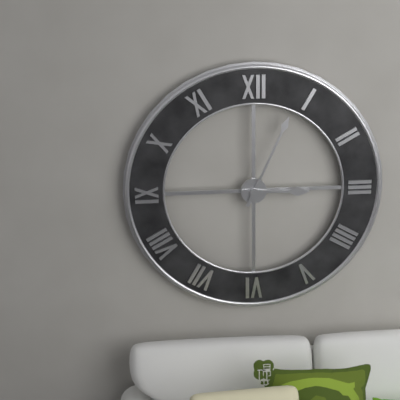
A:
3 h 04 min
